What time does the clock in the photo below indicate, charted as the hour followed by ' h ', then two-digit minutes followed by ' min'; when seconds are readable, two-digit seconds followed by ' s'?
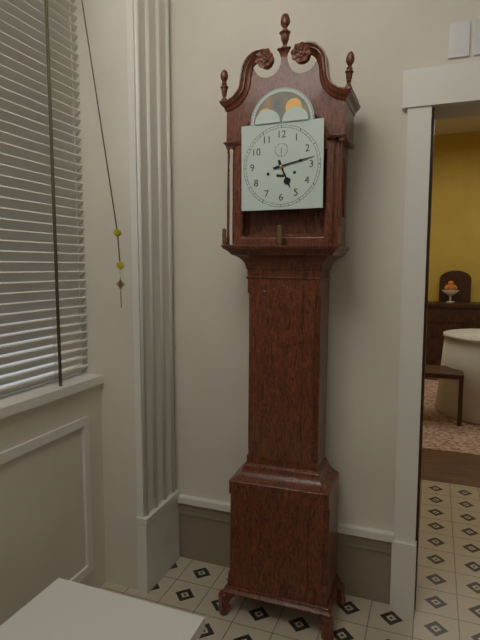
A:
5 h 13 min
